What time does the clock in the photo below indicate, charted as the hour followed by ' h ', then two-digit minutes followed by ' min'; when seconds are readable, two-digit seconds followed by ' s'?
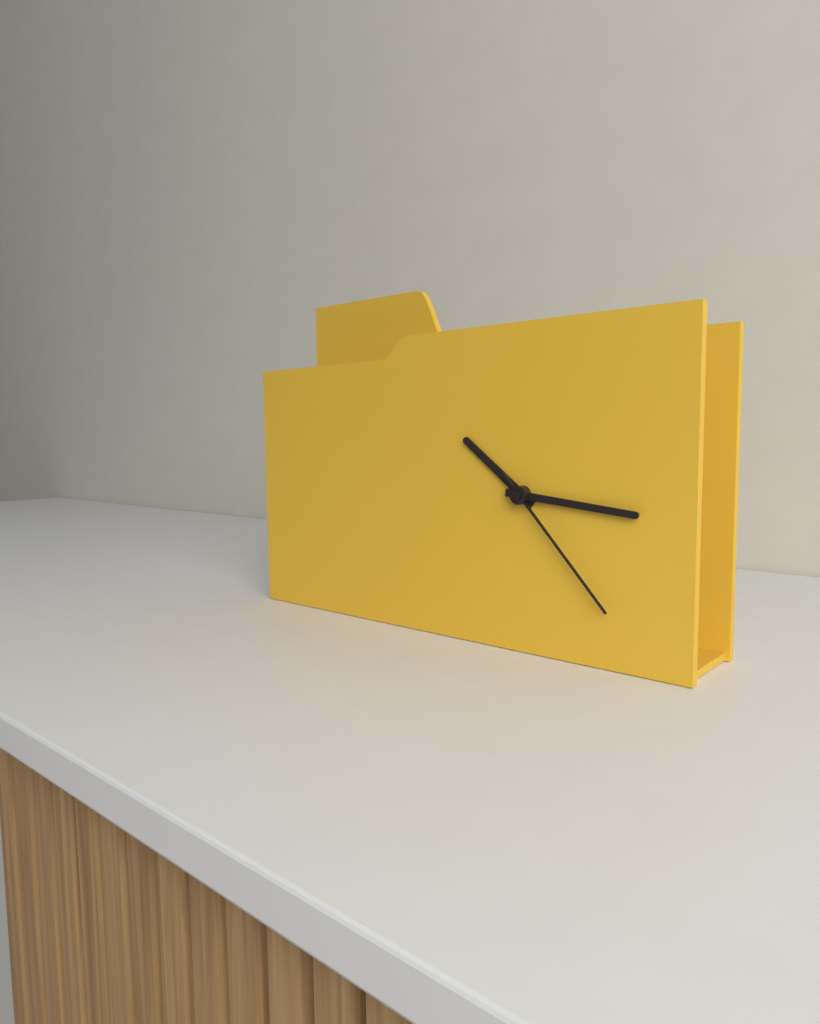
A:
10 h 16 min 23 s
